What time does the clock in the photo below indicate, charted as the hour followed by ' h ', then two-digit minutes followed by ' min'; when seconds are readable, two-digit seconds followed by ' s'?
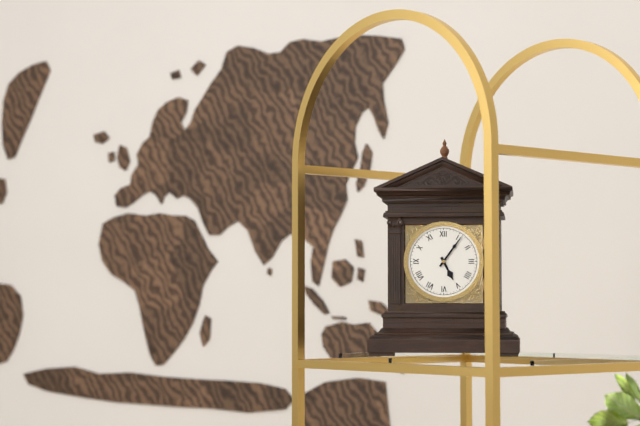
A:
5 h 06 min
